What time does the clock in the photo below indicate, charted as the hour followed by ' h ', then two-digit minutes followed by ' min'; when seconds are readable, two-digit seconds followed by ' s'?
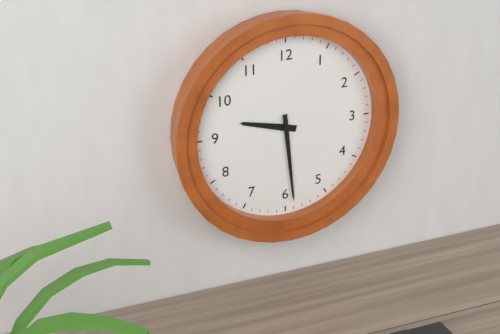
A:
9 h 29 min
